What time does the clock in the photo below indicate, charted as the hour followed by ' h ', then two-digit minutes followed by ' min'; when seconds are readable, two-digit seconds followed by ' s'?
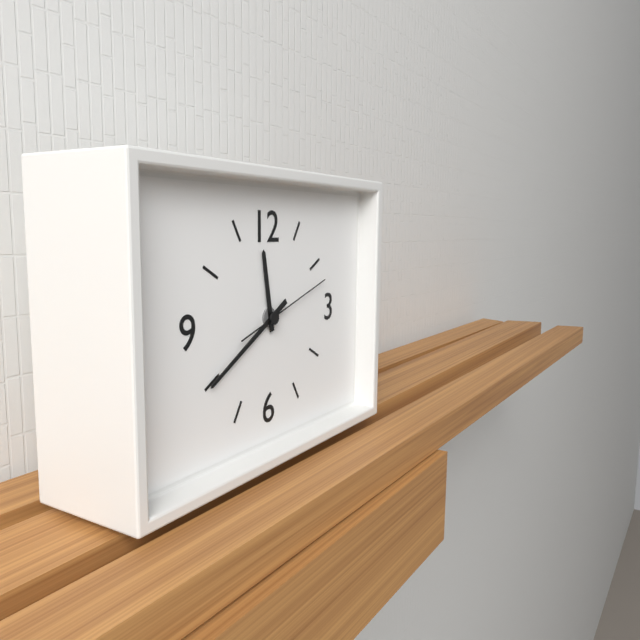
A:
11 h 40 min 12 s
